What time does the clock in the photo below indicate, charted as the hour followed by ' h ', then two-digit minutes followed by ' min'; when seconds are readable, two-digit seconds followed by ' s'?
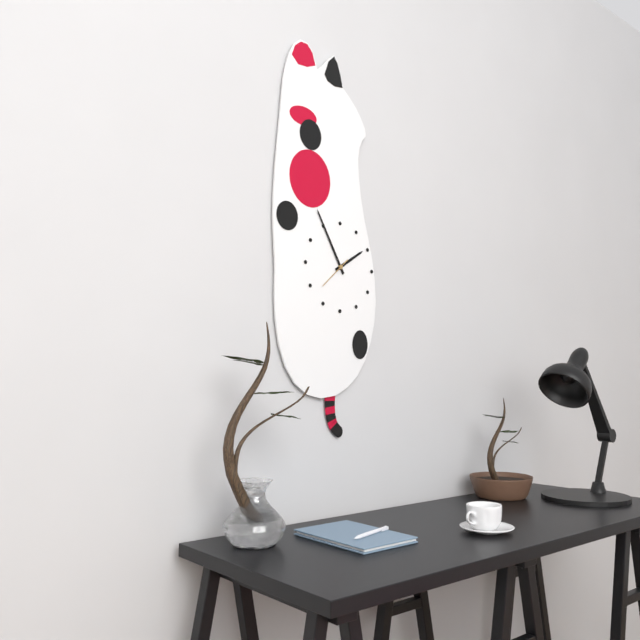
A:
1 h 55 min
